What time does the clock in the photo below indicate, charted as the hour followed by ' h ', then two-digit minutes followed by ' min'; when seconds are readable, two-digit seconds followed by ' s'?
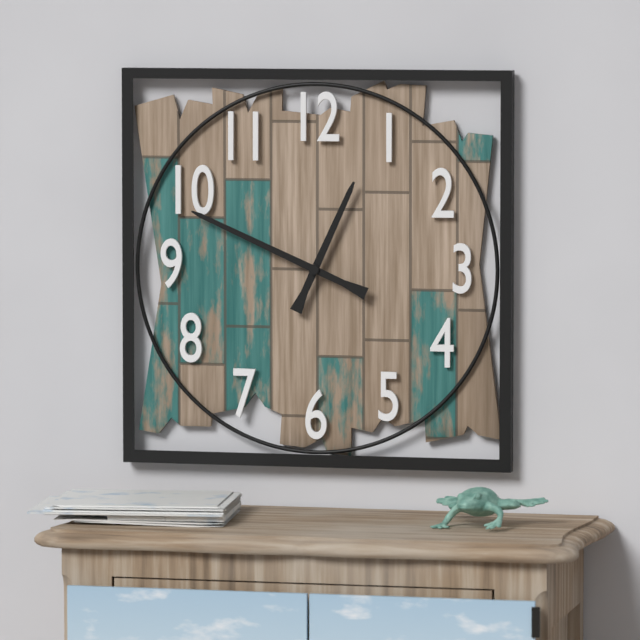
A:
12 h 49 min
